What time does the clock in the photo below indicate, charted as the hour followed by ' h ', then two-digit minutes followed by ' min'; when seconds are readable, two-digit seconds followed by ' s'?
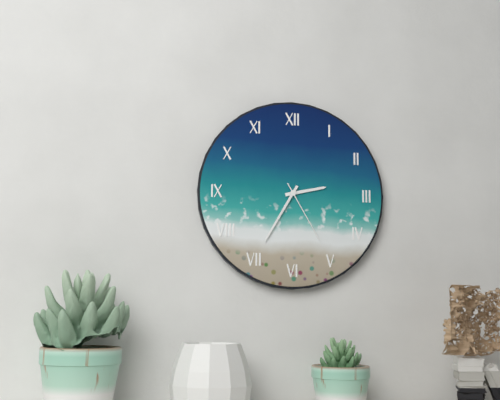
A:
2 h 35 min 25 s
